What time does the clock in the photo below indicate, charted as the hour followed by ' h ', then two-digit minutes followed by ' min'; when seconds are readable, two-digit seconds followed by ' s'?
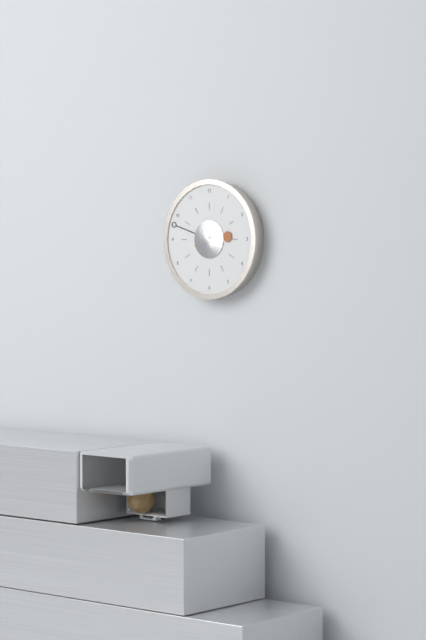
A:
2 h 48 min
